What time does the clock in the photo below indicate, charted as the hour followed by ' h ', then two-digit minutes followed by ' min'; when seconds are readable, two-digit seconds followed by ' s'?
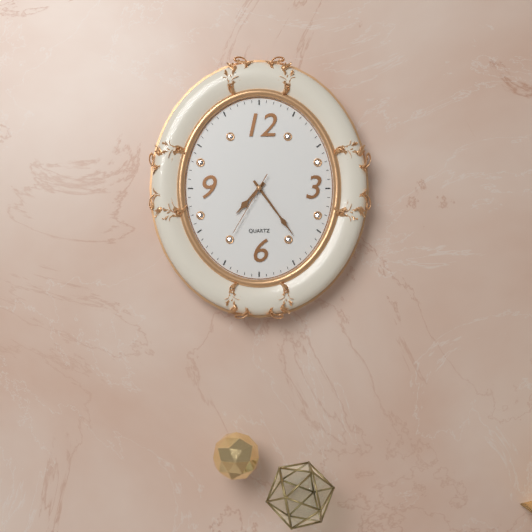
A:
7 h 24 min 35 s
